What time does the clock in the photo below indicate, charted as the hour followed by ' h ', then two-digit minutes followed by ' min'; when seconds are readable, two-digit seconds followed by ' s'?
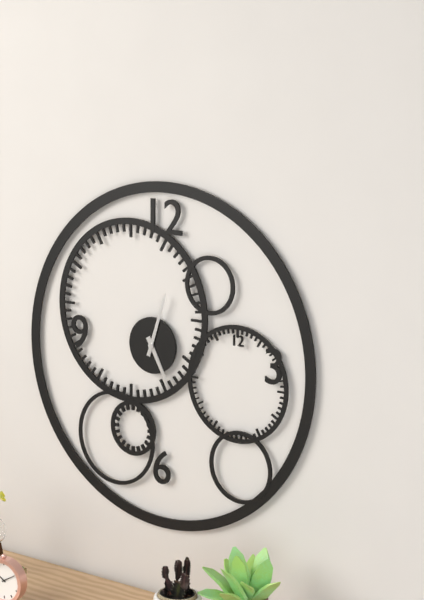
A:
5 h 03 min
